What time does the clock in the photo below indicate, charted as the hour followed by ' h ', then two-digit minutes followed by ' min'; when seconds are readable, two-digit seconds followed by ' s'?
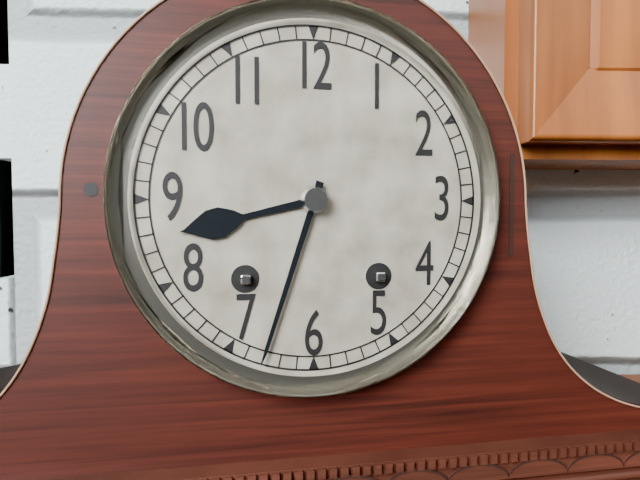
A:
8 h 33 min
